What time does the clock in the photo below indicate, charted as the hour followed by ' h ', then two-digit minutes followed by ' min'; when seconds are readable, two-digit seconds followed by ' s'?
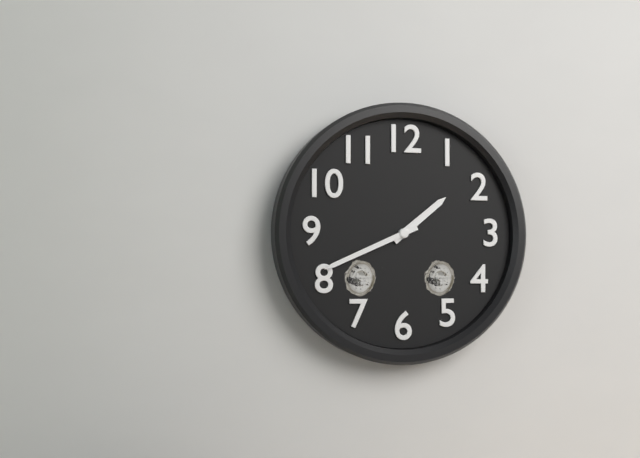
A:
1 h 41 min
